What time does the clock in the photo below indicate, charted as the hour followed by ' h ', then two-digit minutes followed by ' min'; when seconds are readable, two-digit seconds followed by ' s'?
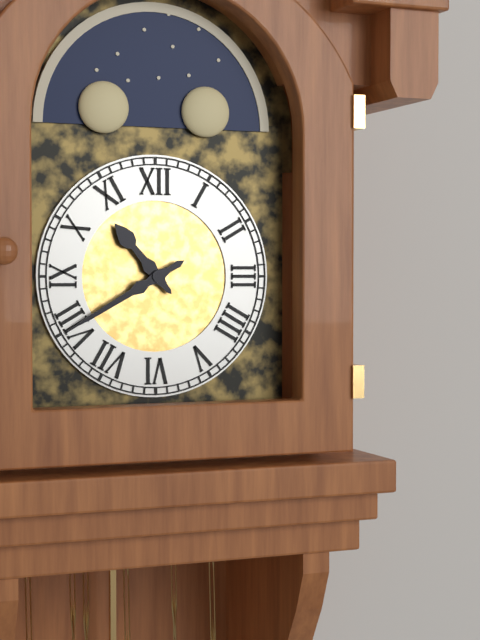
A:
10 h 40 min
